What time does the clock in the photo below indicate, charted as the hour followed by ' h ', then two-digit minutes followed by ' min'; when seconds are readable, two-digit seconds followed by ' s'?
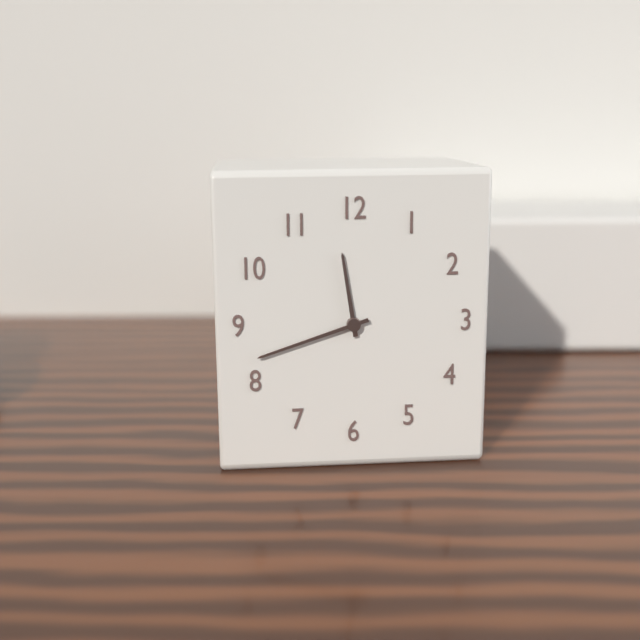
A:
11 h 42 min
